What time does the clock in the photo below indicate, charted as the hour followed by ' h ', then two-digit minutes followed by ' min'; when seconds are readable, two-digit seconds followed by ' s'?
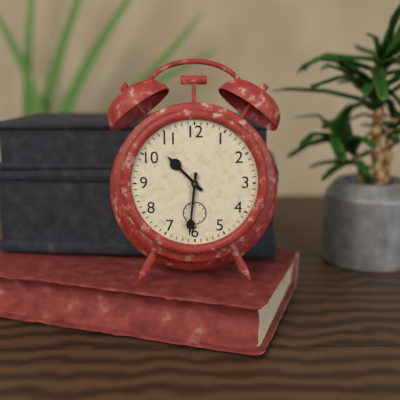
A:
10 h 31 min
